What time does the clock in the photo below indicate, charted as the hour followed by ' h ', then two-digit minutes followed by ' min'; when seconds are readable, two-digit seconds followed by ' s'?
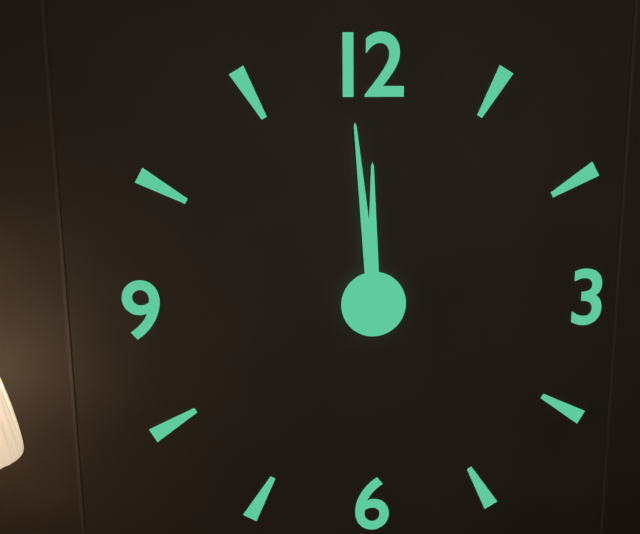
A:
11 h 59 min
